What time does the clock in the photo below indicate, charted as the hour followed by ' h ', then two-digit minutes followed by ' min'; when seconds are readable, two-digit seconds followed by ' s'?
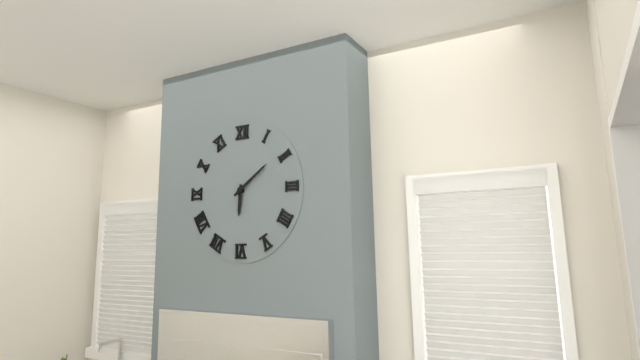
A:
6 h 09 min
